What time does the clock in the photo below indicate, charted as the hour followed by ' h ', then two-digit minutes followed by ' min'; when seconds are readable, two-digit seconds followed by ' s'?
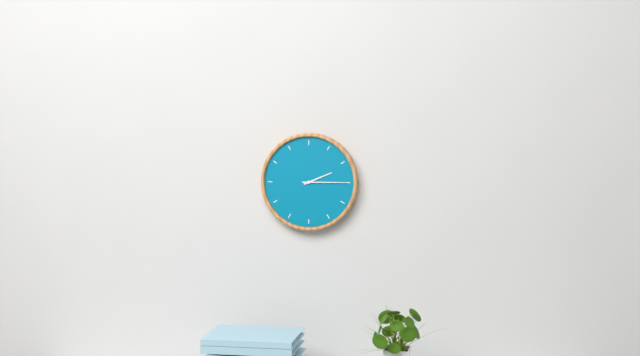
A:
2 h 15 min
